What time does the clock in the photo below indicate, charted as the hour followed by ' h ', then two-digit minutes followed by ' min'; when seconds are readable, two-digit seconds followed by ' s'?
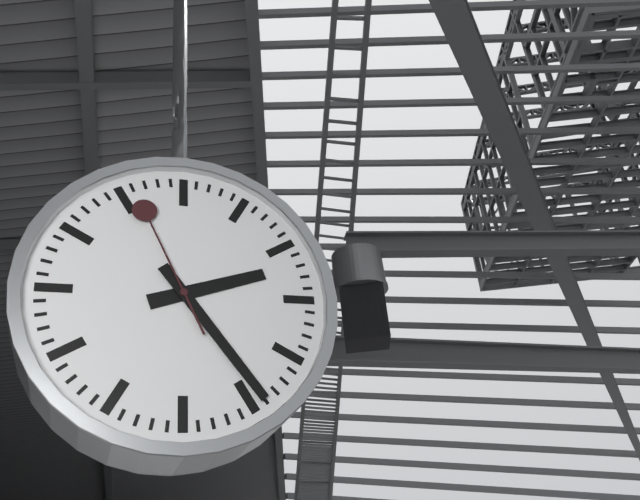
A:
2 h 24 min 56 s
